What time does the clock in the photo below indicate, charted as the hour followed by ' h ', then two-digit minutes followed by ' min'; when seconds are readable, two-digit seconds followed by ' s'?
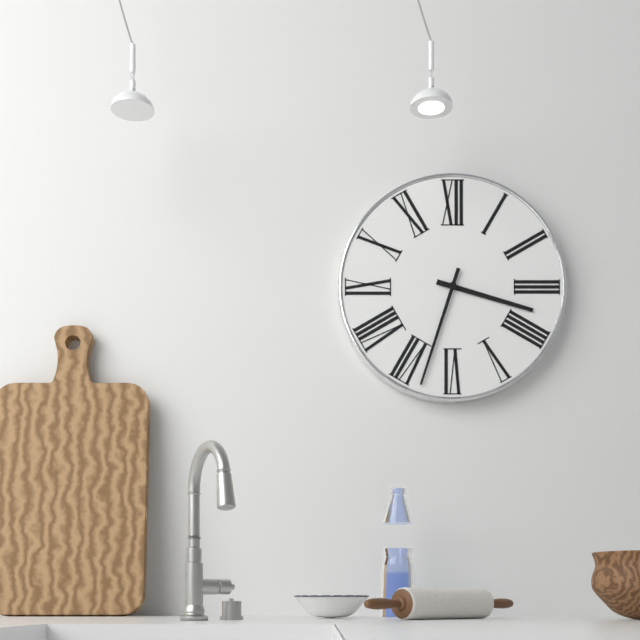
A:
3 h 33 min
